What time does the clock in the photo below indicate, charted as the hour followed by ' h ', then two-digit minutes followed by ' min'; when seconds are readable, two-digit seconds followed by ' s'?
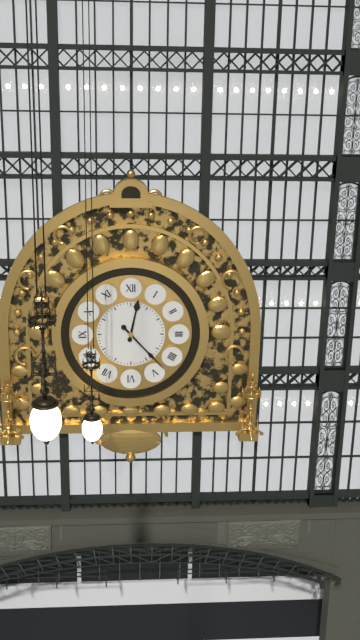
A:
12 h 23 min
